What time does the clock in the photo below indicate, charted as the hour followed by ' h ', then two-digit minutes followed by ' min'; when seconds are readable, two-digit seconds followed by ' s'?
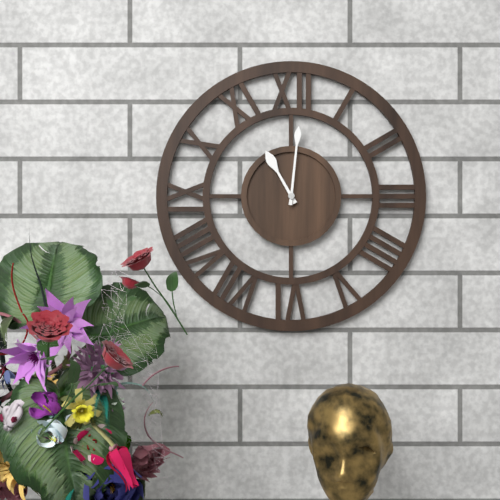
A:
11 h 01 min
